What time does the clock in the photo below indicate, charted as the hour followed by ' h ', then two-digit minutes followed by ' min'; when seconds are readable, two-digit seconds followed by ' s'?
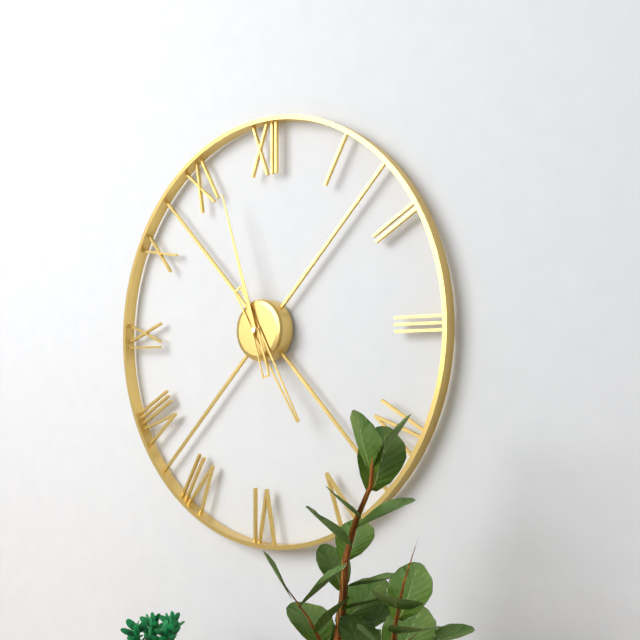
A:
4 h 57 min
